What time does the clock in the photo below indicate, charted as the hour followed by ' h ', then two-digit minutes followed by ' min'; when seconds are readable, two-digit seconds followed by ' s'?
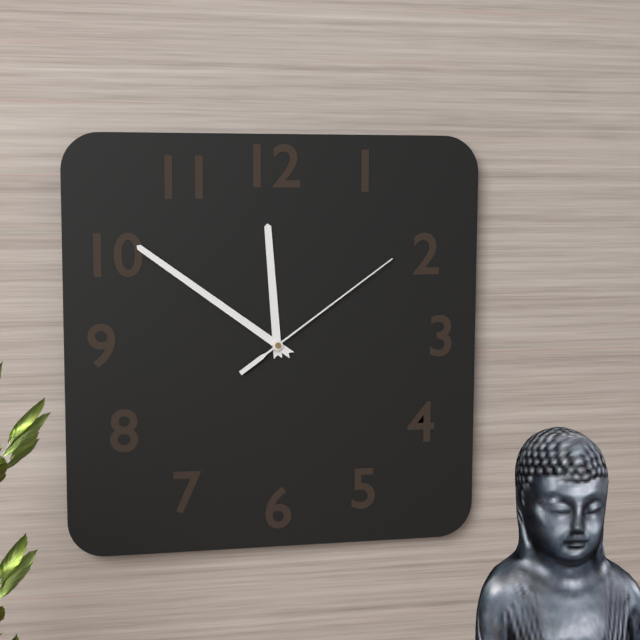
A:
11 h 51 min 09 s
